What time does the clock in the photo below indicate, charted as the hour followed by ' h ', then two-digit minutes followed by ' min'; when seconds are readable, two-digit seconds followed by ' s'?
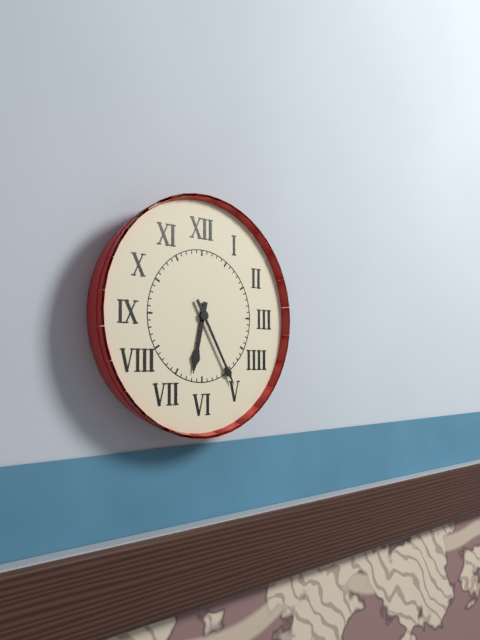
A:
6 h 25 min
